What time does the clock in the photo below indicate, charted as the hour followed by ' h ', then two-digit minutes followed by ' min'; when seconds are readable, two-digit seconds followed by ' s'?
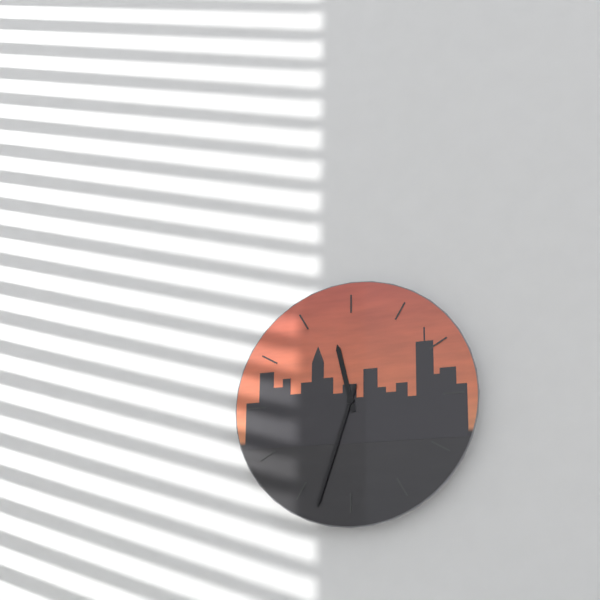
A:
11 h 33 min
